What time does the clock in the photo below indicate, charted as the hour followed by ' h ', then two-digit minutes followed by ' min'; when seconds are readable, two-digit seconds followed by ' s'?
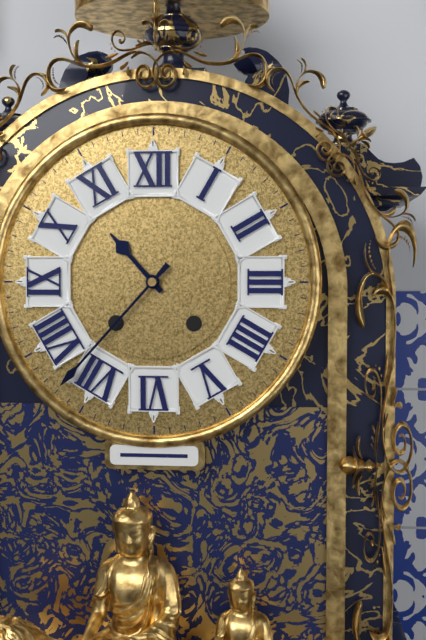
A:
10 h 37 min
